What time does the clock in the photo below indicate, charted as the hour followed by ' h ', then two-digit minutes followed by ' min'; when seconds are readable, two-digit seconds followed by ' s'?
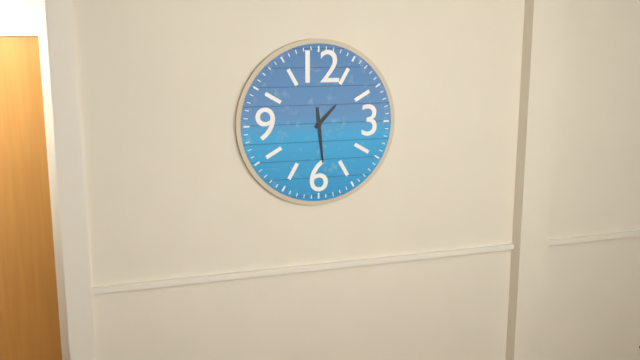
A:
1 h 29 min
